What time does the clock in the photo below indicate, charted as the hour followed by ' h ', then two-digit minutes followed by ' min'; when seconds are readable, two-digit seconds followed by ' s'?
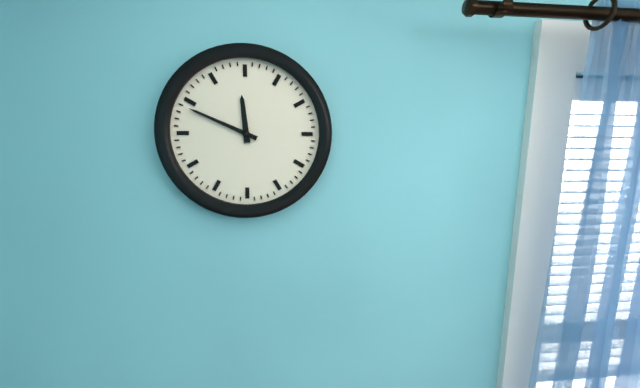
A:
11 h 49 min
